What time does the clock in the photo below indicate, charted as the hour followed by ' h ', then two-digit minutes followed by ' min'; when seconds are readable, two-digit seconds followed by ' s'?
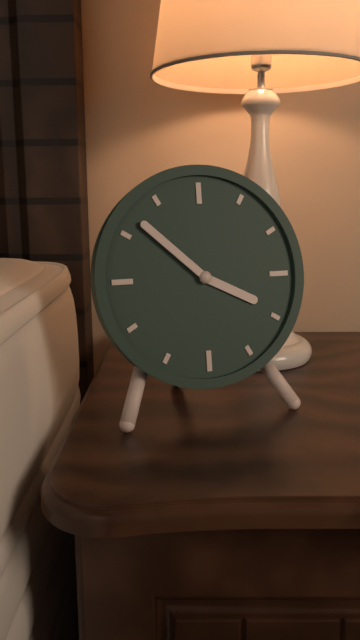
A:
3 h 52 min
